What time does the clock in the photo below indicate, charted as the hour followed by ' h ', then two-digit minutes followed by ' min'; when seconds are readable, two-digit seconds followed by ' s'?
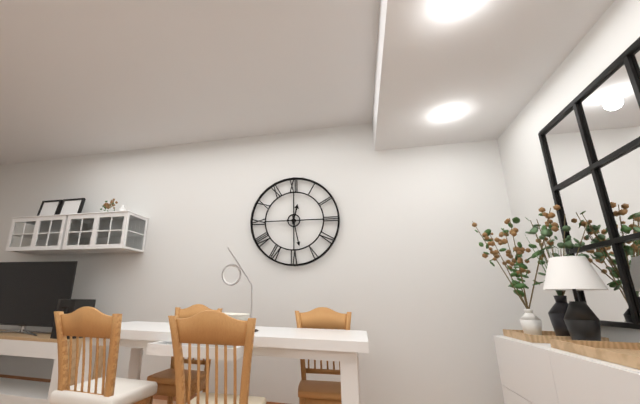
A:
12 h 28 min
